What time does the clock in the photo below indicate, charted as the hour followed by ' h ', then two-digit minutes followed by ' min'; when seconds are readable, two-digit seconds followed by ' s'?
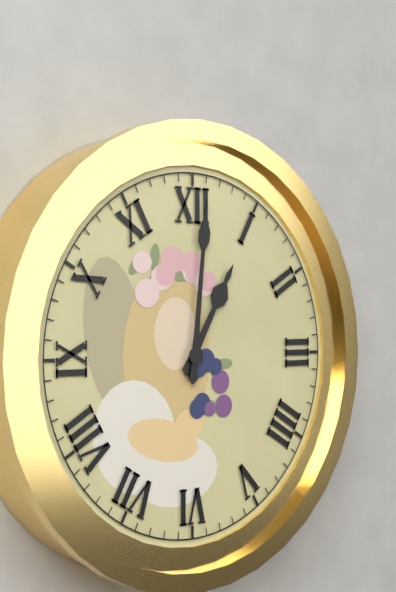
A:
1 h 01 min
